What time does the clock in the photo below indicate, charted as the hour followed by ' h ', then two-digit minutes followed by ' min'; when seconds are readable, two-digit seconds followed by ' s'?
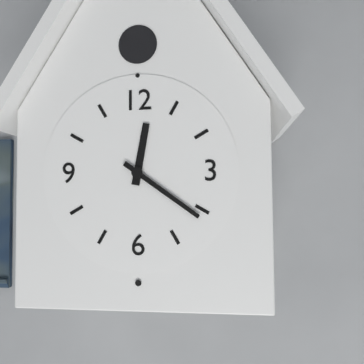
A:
12 h 21 min
